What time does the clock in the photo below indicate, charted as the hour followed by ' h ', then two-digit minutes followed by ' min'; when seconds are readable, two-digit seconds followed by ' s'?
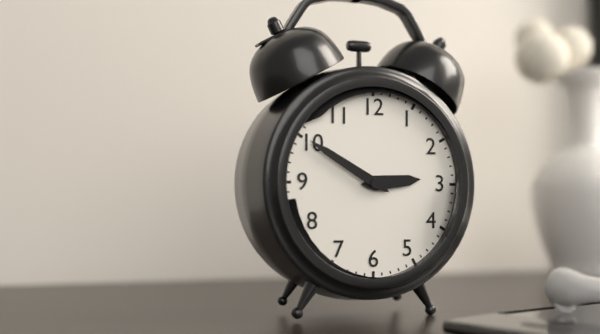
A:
2 h 50 min
